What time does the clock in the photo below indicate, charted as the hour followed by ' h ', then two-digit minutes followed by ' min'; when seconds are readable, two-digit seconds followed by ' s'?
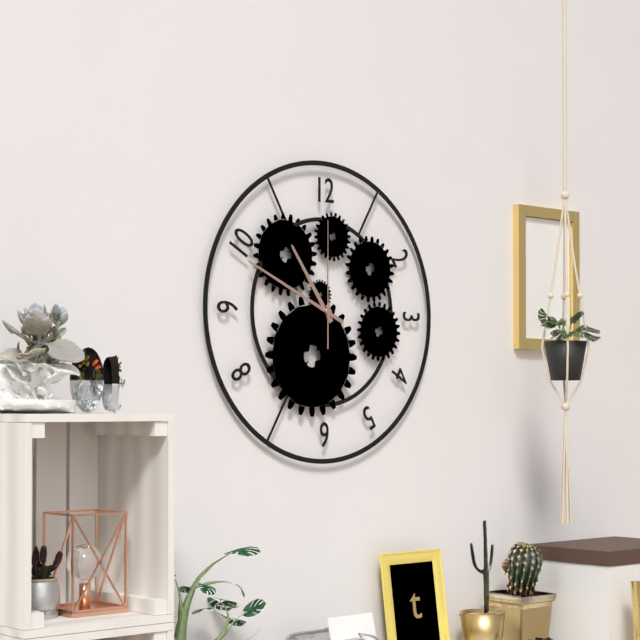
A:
10 h 49 min 00 s
